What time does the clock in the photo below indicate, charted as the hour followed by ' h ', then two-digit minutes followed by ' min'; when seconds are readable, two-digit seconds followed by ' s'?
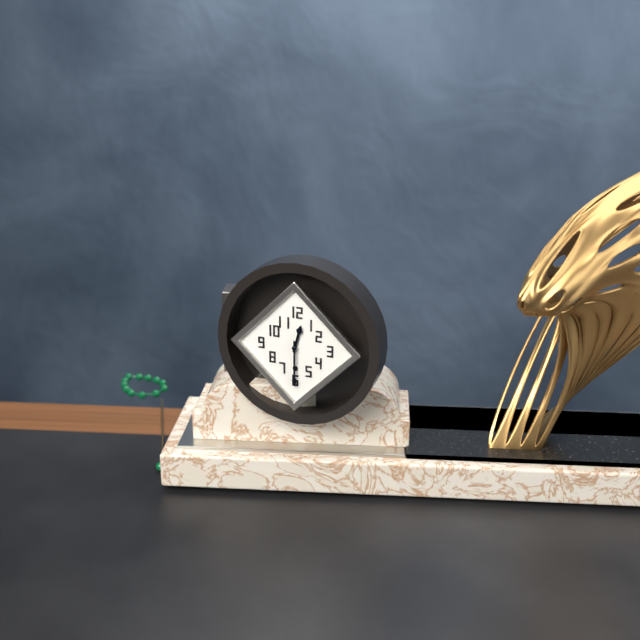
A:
12 h 30 min
